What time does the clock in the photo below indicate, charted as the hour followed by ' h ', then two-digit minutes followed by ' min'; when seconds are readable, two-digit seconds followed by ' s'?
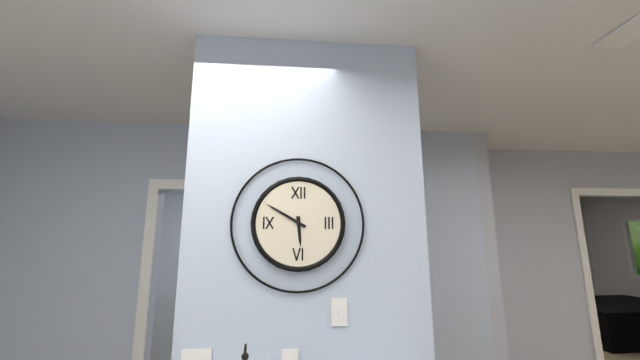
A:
5 h 50 min
